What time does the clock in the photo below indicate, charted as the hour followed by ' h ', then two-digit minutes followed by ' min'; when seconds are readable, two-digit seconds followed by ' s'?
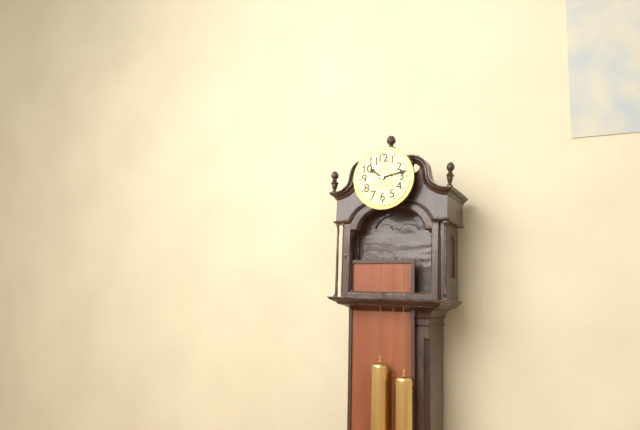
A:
10 h 13 min
